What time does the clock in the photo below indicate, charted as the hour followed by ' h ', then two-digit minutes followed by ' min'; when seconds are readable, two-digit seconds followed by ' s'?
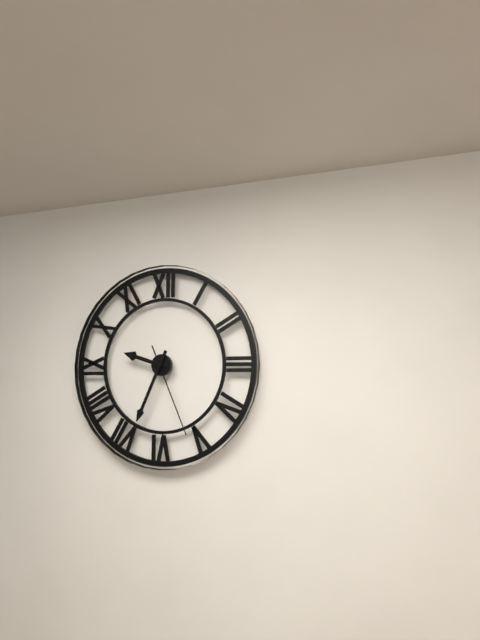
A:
9 h 34 min 26 s
